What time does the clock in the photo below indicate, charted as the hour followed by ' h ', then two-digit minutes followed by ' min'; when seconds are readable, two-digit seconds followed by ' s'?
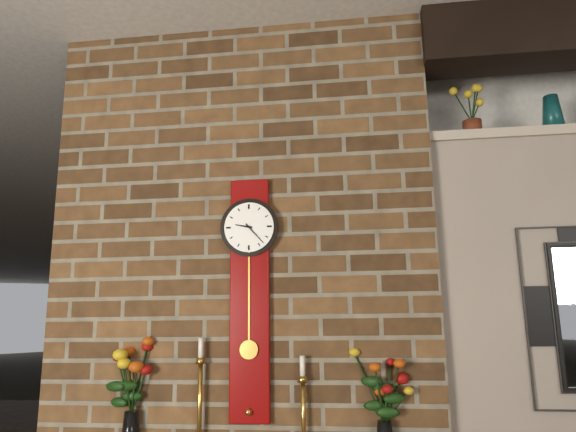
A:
9 h 23 min
